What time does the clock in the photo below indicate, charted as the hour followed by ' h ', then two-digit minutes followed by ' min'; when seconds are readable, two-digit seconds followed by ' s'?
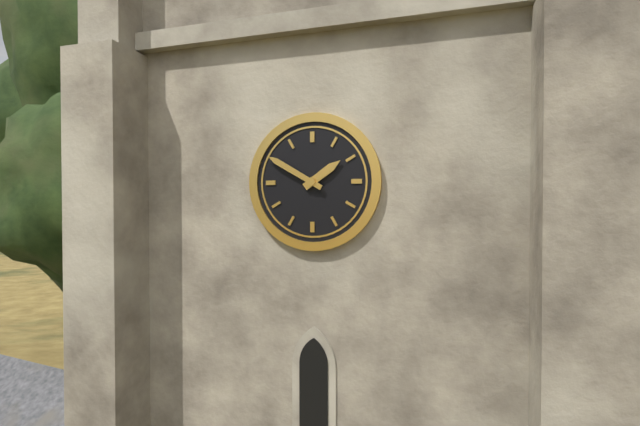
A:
1 h 50 min
